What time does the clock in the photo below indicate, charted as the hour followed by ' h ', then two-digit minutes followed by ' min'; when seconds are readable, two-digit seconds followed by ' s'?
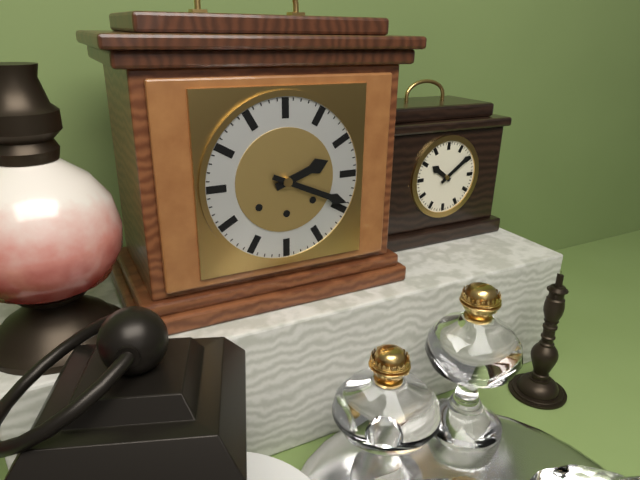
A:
2 h 19 min
